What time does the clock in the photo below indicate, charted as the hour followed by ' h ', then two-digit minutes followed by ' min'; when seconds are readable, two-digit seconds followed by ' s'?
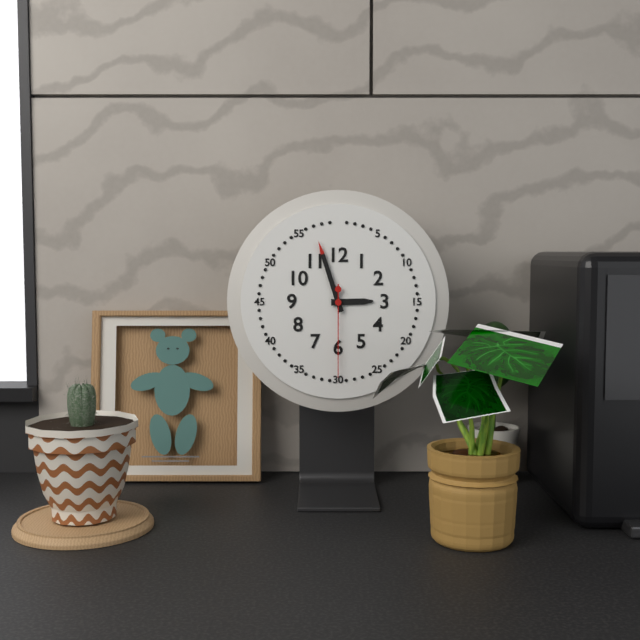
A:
2 h 57 min 30 s
